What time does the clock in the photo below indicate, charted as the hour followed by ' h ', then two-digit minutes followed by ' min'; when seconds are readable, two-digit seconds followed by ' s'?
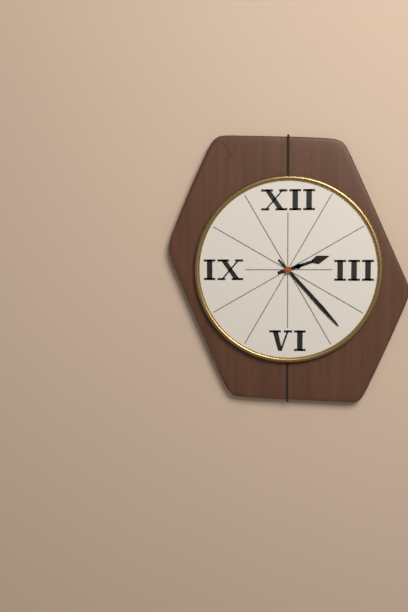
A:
2 h 23 min
